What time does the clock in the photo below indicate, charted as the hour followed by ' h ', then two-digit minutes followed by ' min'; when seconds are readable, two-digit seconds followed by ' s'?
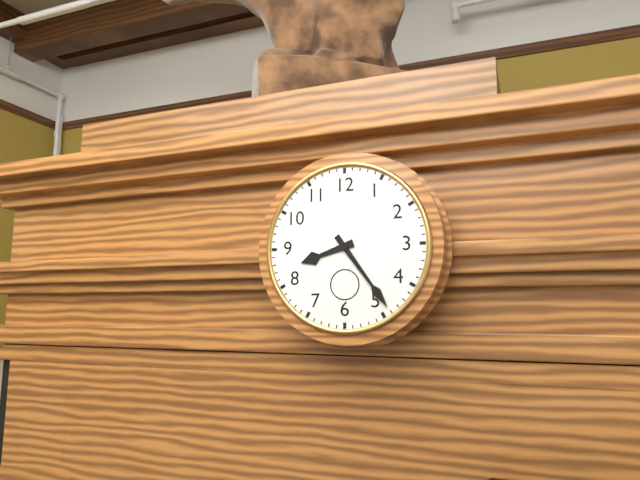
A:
8 h 24 min
